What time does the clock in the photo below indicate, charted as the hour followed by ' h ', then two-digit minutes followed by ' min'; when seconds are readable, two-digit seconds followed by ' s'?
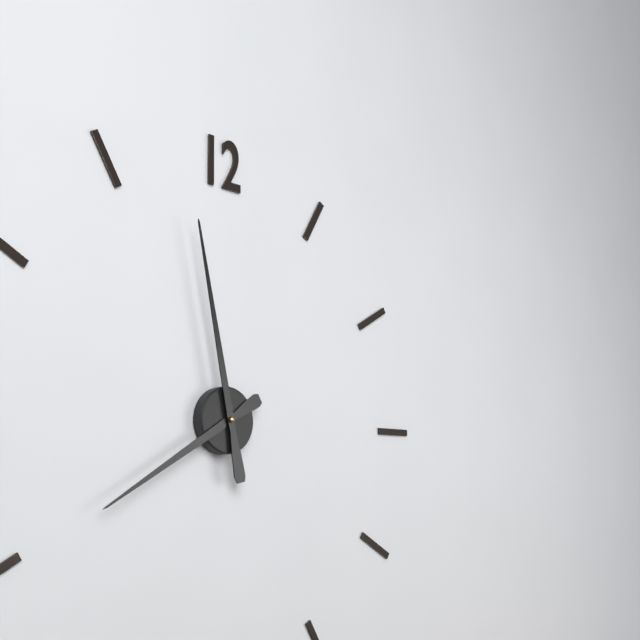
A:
7 h 58 min
